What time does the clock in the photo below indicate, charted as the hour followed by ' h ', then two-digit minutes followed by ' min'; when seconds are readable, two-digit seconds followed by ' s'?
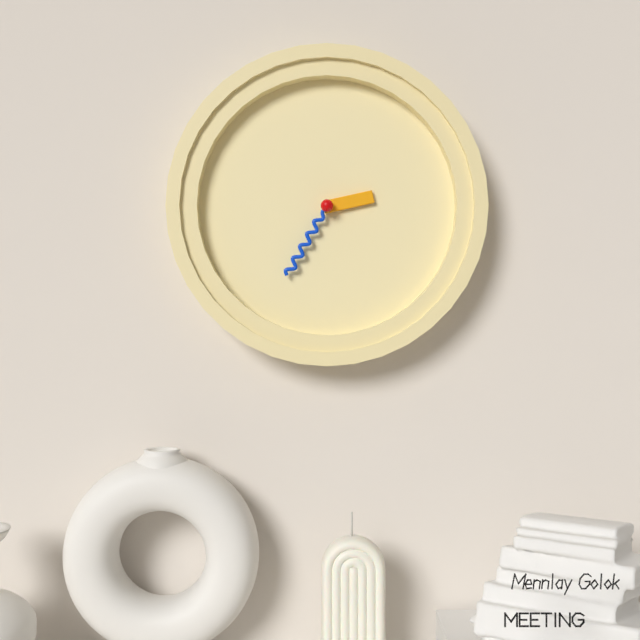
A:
2 h 35 min
